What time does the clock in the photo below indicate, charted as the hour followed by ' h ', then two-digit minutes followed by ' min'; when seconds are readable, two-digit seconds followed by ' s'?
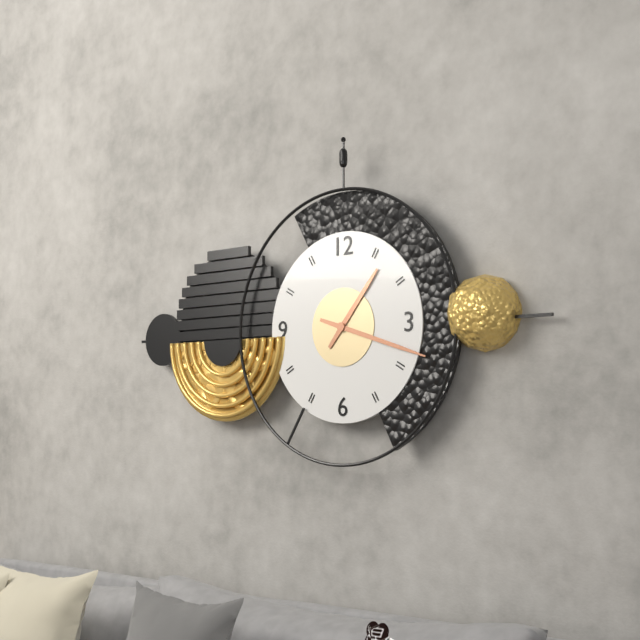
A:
1 h 18 min
